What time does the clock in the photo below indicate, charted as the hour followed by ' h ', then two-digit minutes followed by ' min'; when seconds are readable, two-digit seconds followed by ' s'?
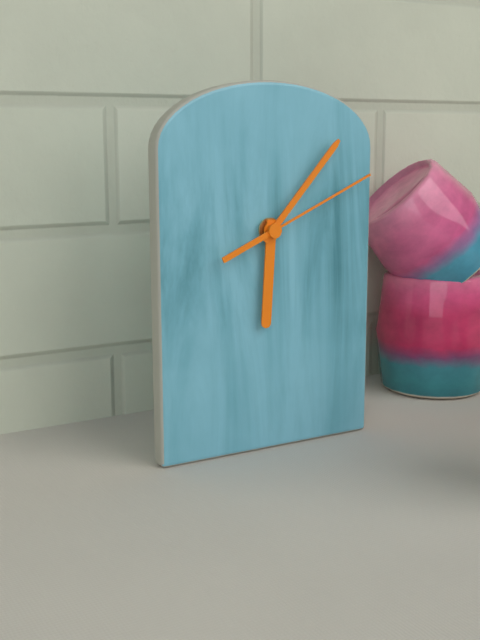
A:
6 h 07 min 11 s
